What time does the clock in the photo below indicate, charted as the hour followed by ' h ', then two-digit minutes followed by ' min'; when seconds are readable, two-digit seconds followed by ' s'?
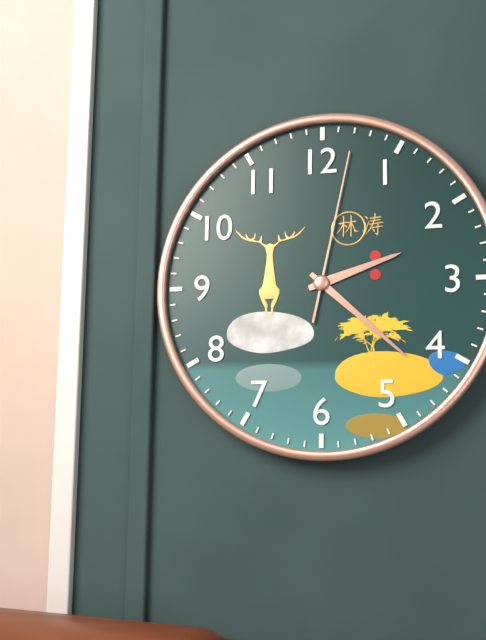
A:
2 h 22 min 02 s
